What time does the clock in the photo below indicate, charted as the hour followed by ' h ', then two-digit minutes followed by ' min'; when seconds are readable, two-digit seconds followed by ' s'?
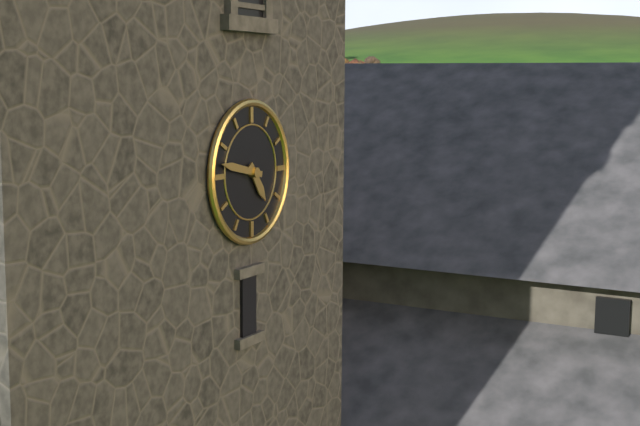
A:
4 h 47 min
